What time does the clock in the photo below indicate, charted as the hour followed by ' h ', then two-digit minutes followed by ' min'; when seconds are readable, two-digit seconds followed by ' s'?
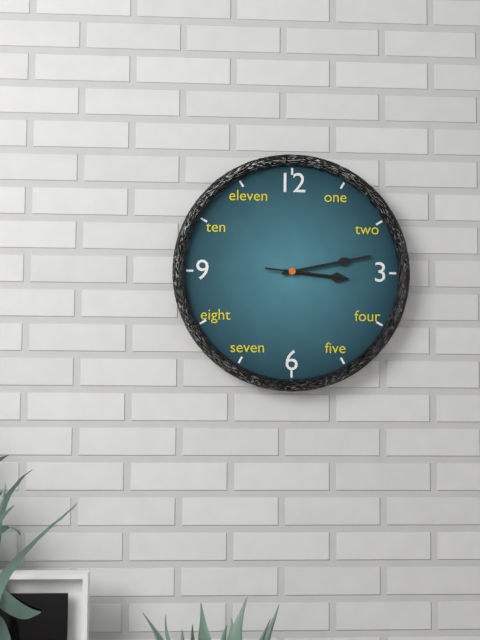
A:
3 h 13 min 16 s
